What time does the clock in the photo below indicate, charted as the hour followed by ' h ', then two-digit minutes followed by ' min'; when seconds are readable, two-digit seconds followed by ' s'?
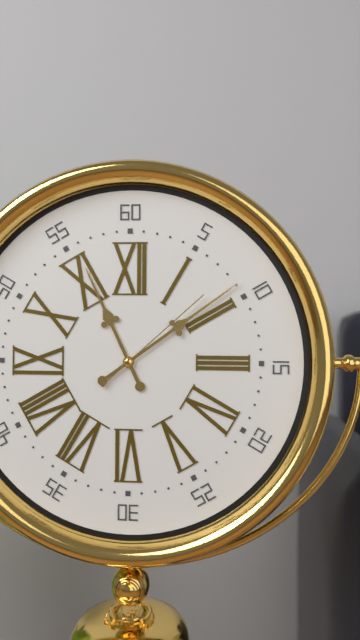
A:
11 h 09 min 08 s
